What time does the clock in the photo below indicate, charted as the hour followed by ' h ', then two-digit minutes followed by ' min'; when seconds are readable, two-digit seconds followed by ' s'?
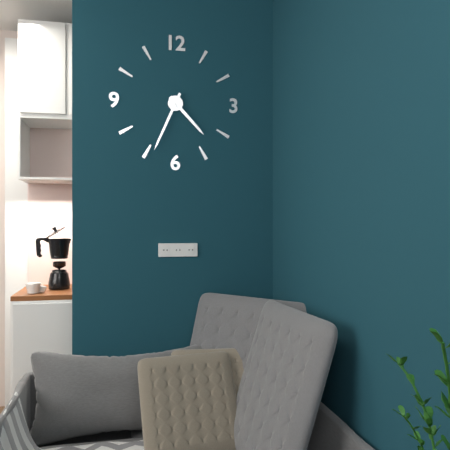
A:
4 h 34 min
